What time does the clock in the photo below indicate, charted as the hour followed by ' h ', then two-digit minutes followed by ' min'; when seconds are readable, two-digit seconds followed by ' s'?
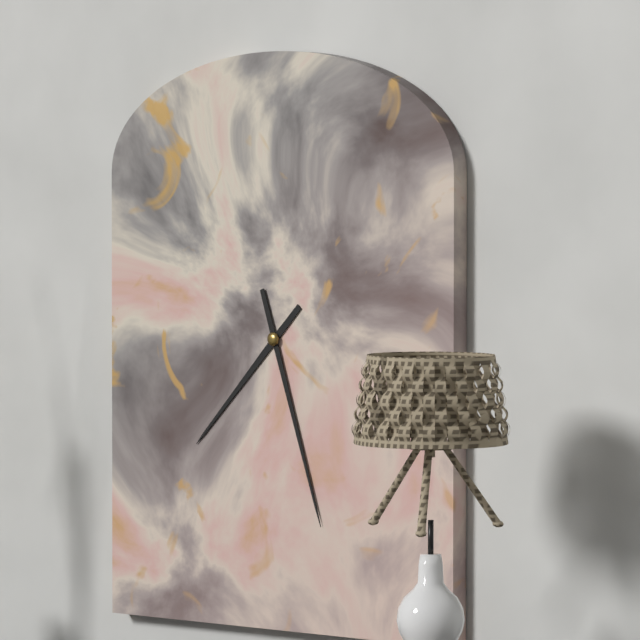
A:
7 h 27 min
